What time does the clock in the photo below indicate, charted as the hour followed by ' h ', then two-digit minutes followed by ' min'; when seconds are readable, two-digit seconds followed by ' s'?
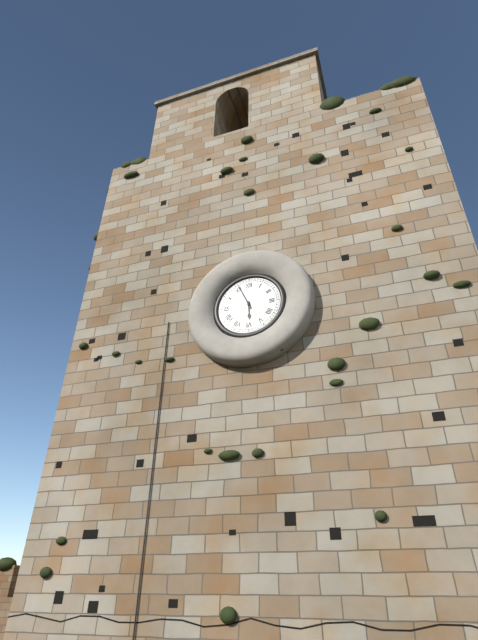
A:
5 h 56 min
